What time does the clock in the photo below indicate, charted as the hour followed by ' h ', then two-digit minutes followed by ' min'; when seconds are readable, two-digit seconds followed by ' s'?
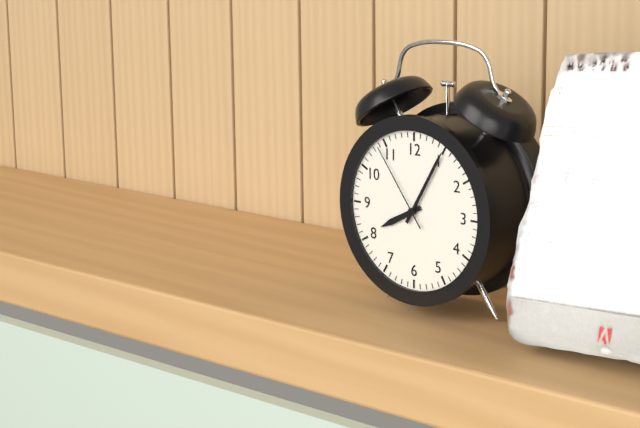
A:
8 h 05 min 54 s
